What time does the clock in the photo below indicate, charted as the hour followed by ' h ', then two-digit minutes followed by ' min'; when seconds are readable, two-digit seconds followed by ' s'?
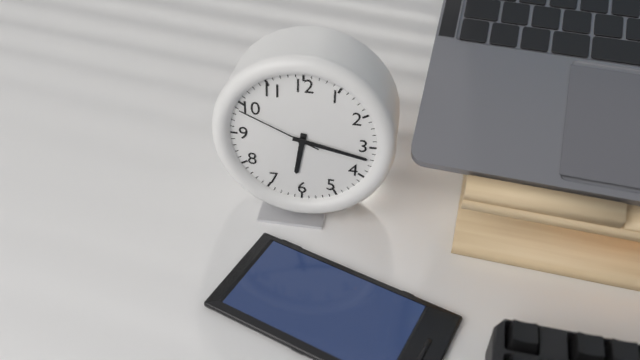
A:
6 h 17 min 49 s
